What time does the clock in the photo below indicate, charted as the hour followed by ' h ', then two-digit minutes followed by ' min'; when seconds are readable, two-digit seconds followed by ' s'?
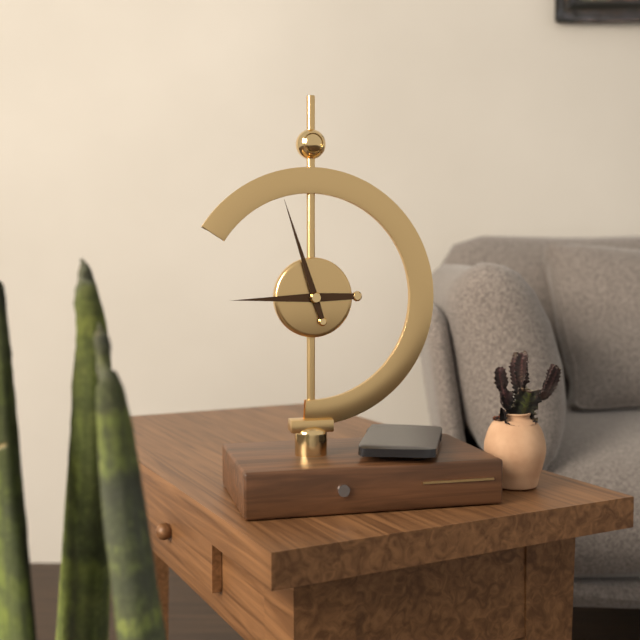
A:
8 h 57 min
